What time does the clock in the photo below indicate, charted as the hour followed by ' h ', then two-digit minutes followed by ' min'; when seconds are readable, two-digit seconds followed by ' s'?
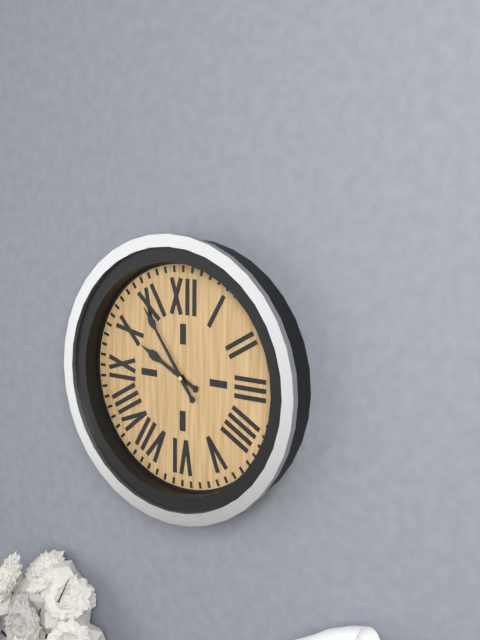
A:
9 h 54 min
